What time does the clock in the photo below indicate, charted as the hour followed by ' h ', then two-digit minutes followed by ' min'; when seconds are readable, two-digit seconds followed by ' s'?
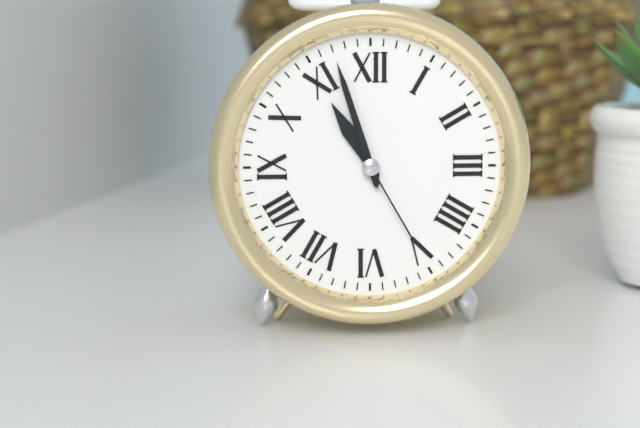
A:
10 h 57 min 25 s
